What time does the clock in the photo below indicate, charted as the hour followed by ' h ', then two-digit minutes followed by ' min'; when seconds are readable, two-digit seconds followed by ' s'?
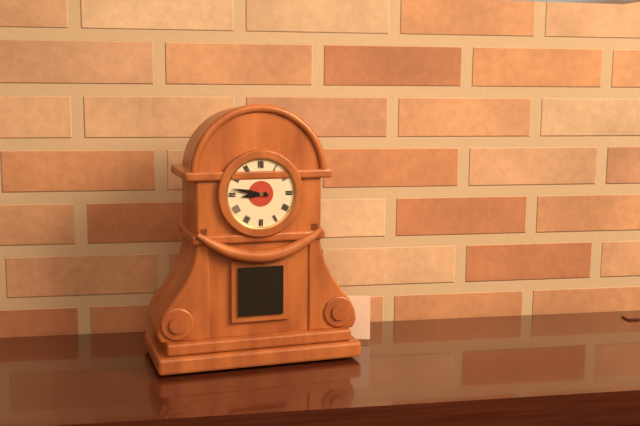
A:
8 h 47 min
